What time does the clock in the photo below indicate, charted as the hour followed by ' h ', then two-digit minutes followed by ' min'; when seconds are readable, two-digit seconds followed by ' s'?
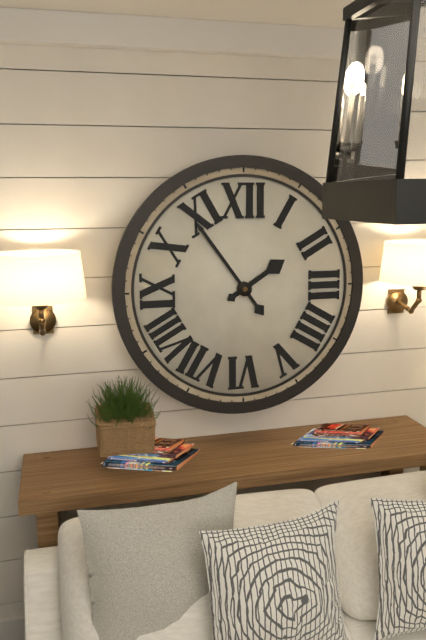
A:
1 h 54 min
